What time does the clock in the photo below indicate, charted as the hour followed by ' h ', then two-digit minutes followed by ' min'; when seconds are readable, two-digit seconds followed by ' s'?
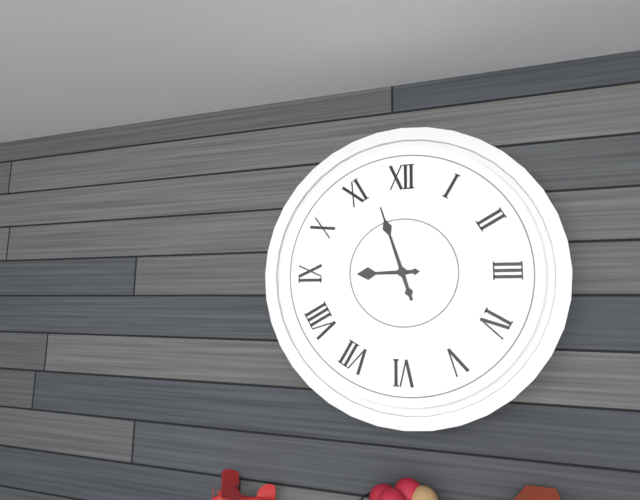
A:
8 h 57 min
